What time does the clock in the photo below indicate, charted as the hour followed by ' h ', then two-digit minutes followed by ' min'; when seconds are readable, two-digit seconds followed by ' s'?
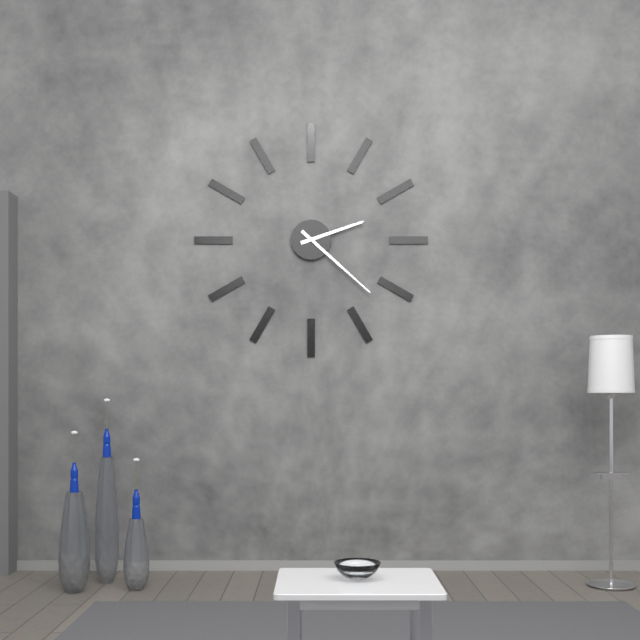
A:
2 h 22 min
